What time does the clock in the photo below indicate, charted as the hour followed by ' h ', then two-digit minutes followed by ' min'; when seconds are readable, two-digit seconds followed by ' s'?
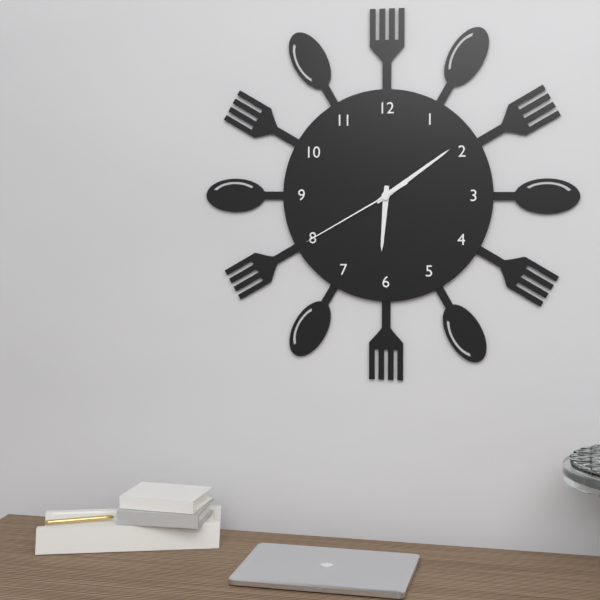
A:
6 h 09 min 40 s
